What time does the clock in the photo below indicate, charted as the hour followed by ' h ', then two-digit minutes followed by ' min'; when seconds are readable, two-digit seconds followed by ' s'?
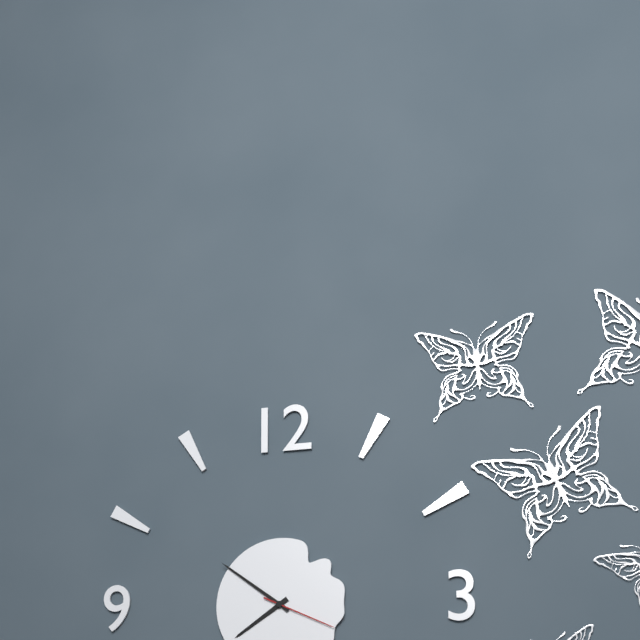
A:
7 h 51 min 19 s
